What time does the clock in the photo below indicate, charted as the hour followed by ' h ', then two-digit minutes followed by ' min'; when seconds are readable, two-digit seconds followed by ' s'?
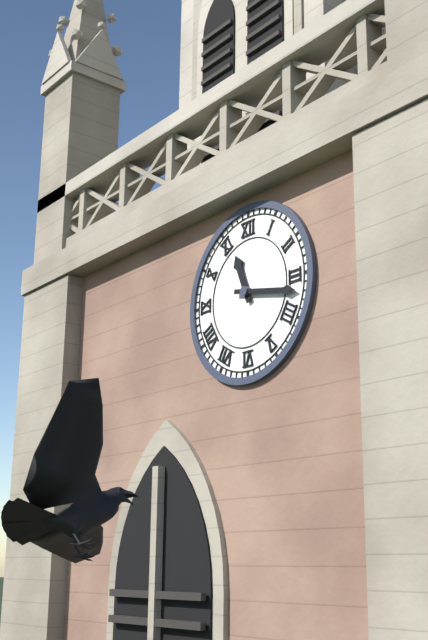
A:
11 h 17 min
